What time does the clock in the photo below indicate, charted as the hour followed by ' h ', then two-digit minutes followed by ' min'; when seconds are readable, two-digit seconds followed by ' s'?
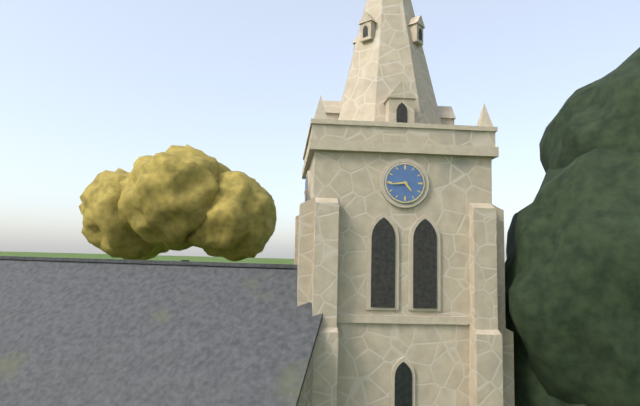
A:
4 h 44 min
